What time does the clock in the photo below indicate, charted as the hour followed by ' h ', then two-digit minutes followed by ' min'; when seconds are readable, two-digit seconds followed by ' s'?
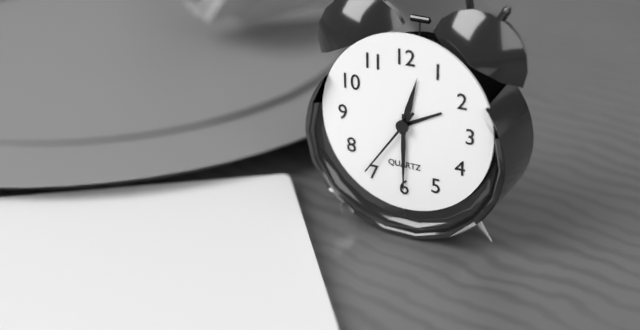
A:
12 h 30 min 36 s
